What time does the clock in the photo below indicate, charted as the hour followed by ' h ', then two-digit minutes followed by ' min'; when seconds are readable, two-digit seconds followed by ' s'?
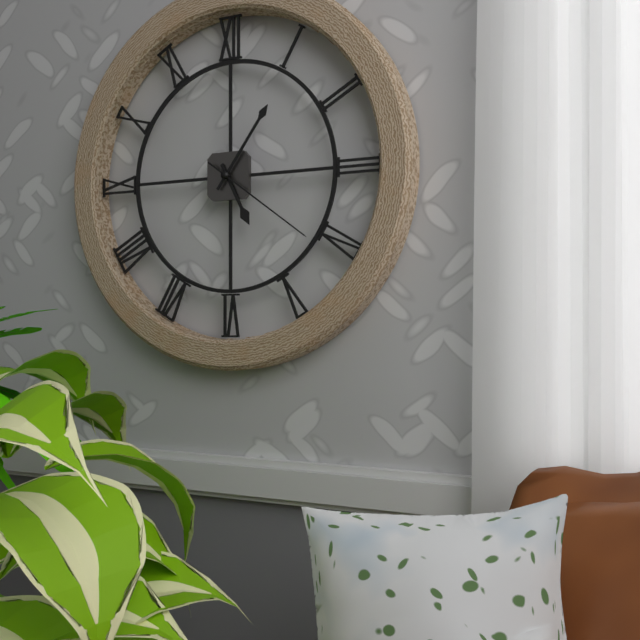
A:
5 h 06 min 21 s
